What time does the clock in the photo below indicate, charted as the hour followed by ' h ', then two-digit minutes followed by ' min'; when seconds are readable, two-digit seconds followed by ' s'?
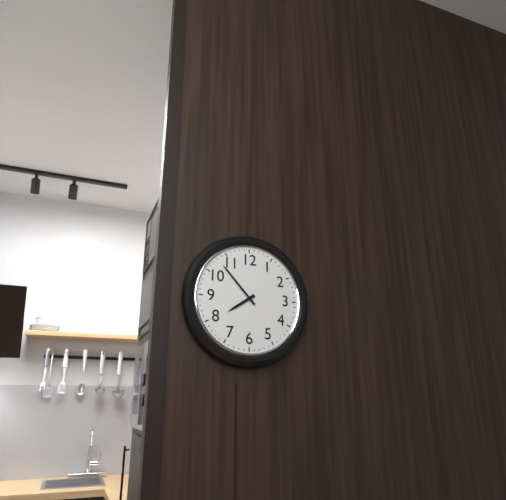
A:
7 h 53 min
